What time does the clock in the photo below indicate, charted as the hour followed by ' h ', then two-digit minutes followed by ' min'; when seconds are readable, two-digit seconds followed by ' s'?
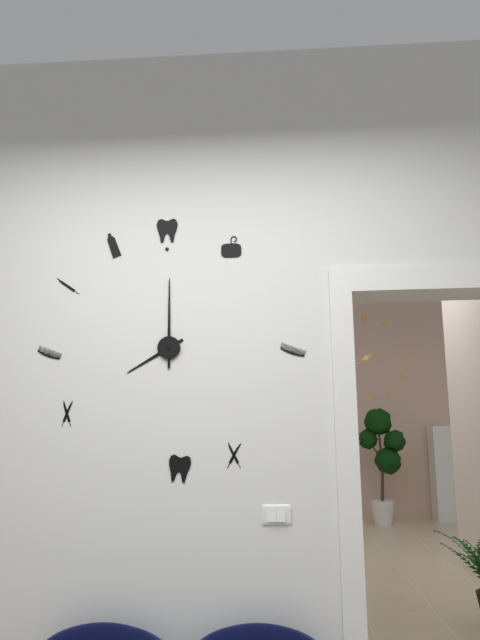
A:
8 h 00 min
